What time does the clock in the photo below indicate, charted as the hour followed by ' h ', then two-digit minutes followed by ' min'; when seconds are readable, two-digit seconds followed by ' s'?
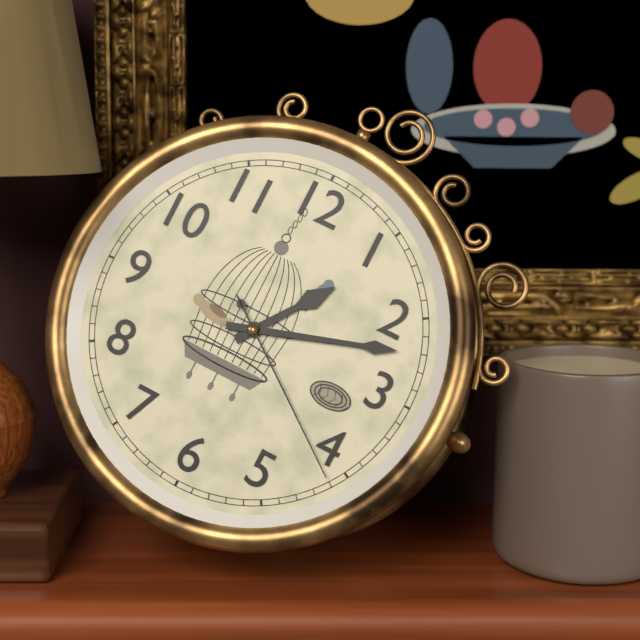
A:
1 h 12 min 21 s
